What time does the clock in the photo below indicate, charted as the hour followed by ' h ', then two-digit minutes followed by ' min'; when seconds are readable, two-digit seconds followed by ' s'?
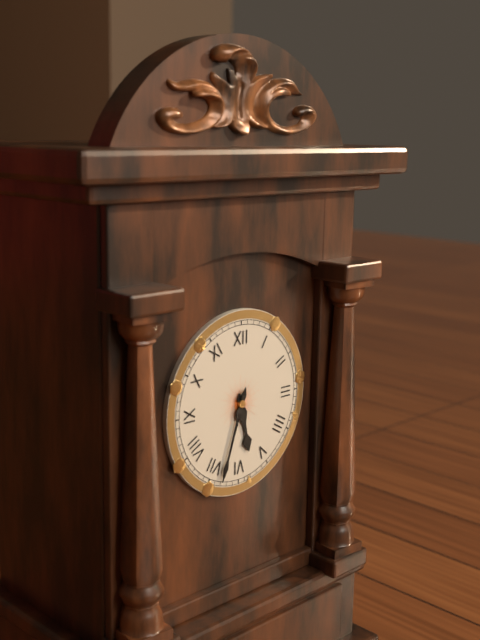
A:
5 h 33 min
